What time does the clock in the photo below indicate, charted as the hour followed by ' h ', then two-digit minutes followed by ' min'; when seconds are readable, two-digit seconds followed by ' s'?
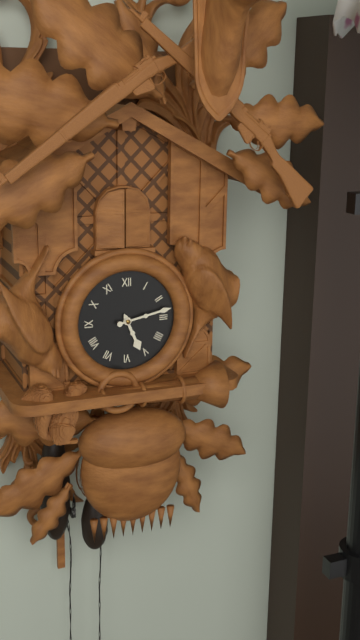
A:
5 h 13 min
